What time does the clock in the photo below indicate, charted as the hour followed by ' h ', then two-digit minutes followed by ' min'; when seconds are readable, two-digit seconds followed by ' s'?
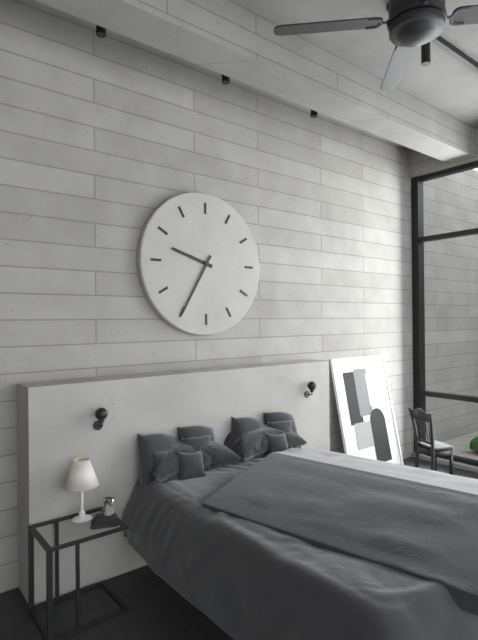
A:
9 h 35 min
